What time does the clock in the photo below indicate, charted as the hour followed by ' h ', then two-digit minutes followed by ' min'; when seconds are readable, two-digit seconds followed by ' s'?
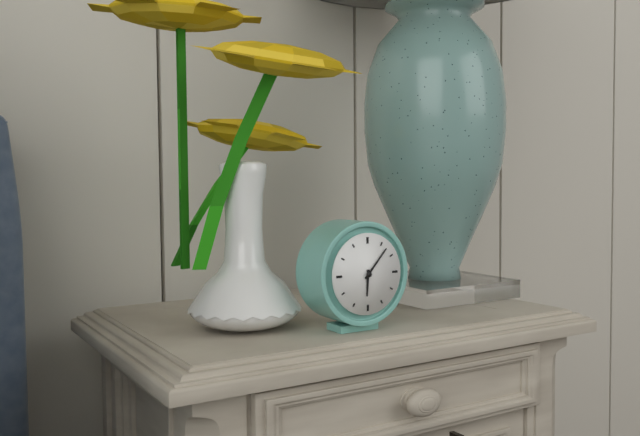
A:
6 h 07 min
